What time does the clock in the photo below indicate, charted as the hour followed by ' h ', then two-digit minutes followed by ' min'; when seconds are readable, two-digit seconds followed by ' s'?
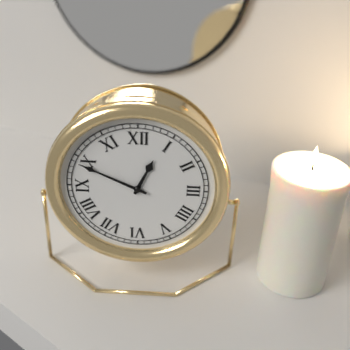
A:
12 h 49 min
